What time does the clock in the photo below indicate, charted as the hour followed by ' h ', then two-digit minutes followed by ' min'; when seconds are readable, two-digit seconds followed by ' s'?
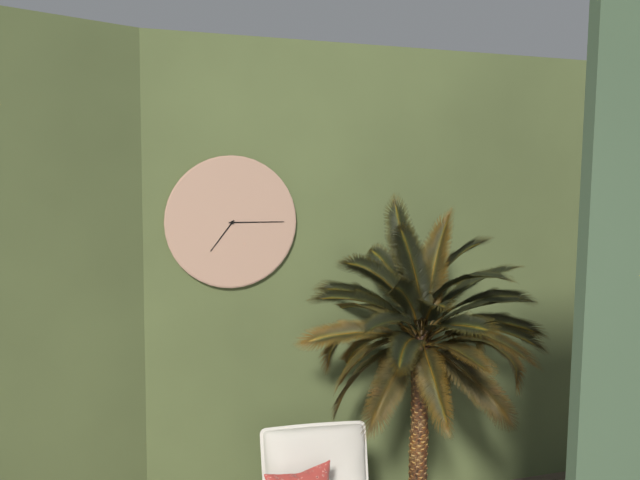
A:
7 h 15 min
